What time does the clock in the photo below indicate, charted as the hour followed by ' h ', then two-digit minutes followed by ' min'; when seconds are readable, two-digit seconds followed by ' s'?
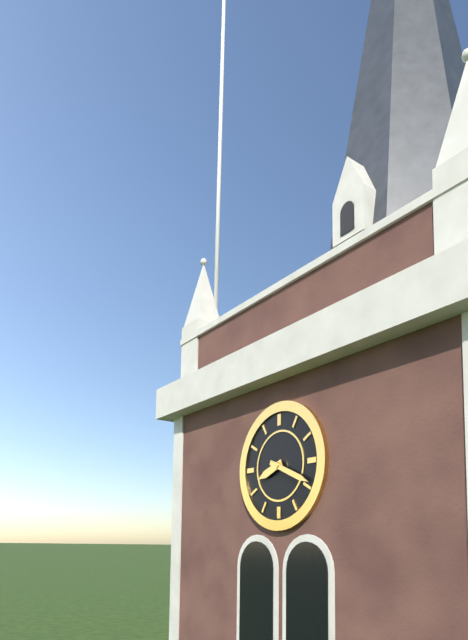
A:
8 h 19 min
